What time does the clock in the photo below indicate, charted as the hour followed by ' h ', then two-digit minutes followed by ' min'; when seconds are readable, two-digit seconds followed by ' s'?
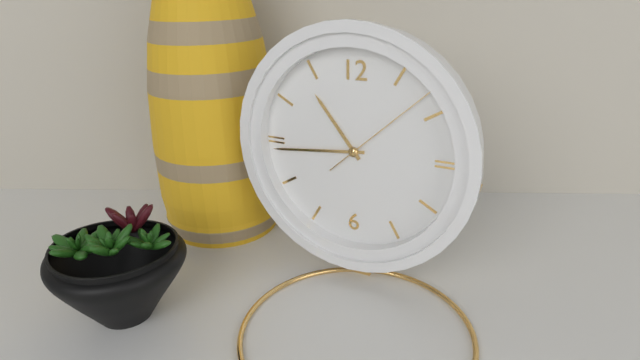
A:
10 h 44 min 08 s
